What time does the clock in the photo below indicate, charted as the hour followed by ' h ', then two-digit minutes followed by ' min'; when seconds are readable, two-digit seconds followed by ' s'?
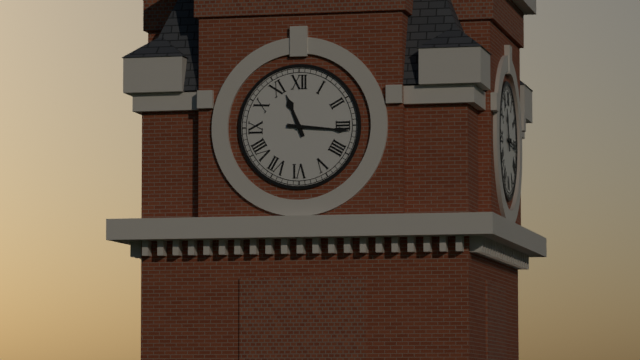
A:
11 h 16 min
